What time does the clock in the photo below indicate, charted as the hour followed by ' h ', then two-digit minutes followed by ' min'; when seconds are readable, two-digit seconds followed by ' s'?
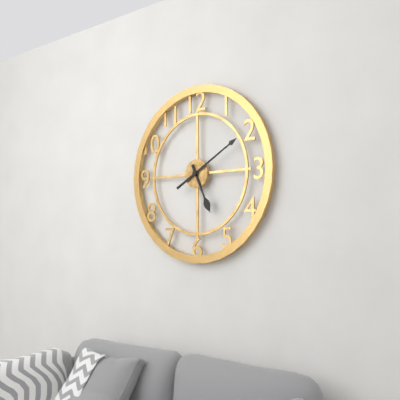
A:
5 h 10 min
